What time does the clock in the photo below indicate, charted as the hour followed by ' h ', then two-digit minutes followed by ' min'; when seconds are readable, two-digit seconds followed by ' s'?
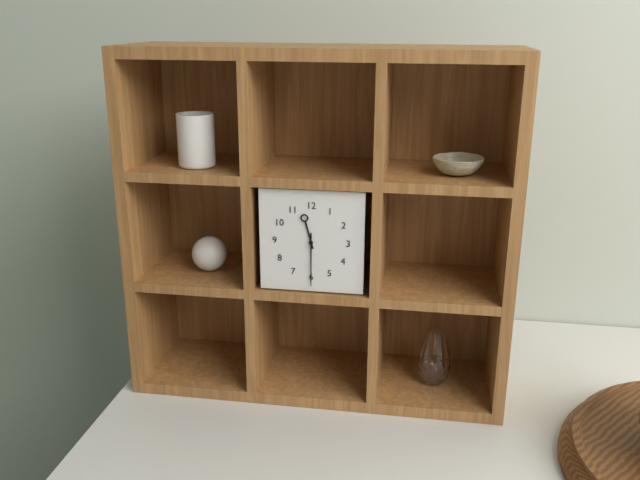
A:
11 h 30 min
